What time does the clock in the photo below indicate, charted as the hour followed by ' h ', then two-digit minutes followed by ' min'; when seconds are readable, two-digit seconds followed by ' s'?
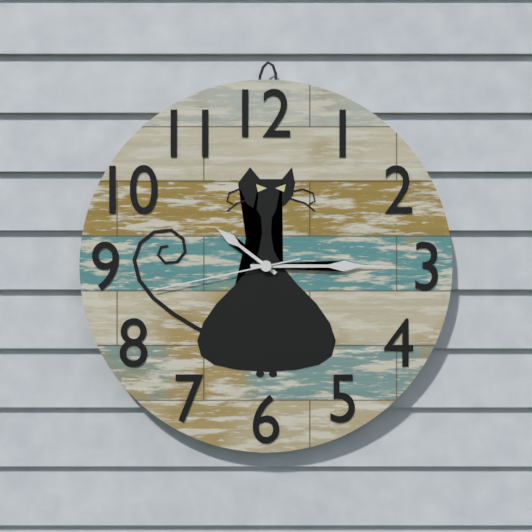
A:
10 h 15 min 43 s
